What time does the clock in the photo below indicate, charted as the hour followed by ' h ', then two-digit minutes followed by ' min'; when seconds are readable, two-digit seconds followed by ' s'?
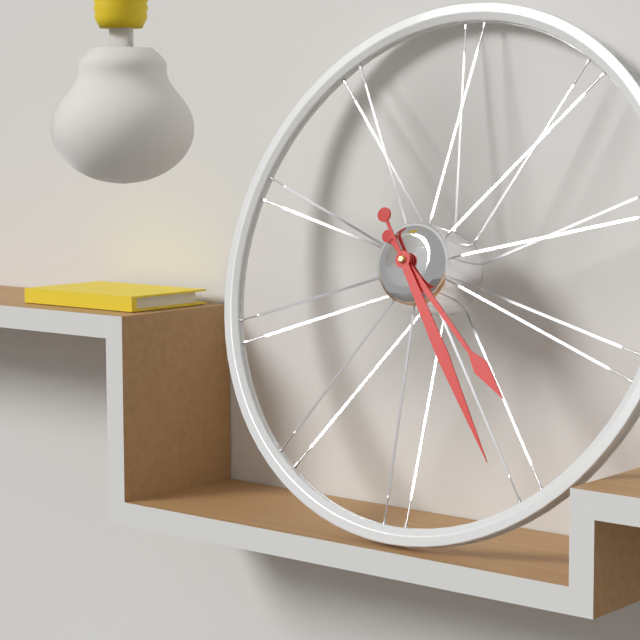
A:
4 h 24 min
